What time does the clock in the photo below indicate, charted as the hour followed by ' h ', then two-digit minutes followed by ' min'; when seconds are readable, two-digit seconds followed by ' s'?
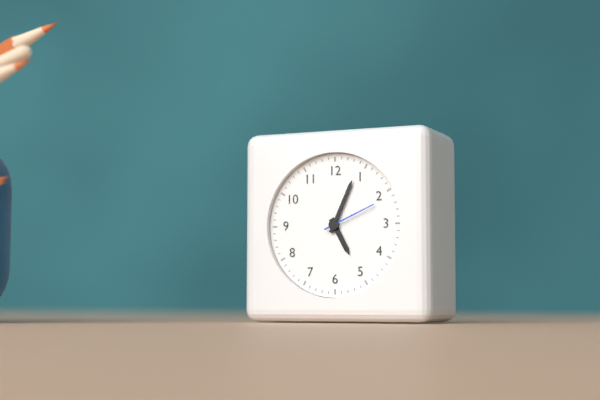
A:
5 h 04 min 11 s
